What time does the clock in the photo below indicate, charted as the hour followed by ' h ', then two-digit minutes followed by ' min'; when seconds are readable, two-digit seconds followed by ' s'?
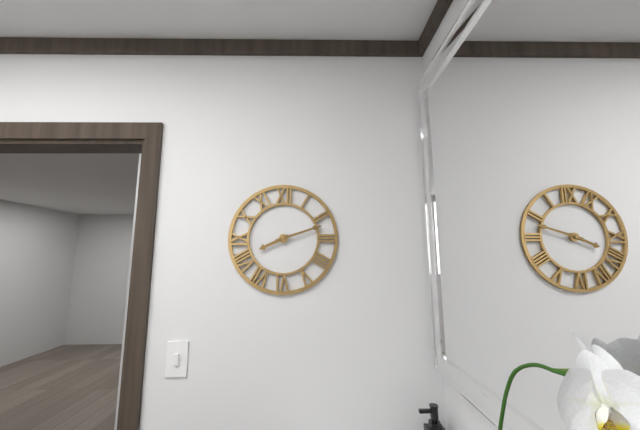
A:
8 h 12 min
